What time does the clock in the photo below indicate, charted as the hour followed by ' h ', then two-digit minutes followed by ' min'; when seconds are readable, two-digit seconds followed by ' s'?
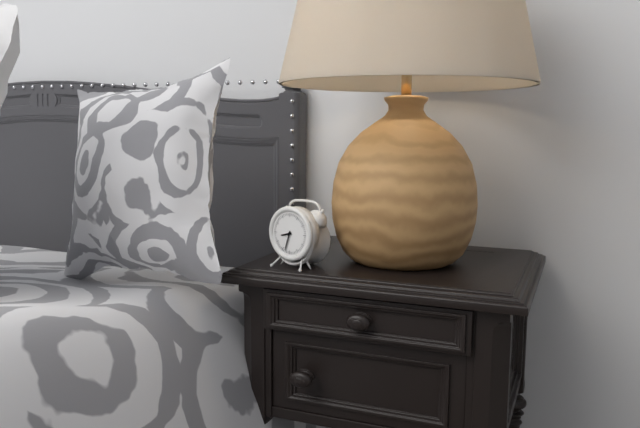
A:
8 h 33 min
